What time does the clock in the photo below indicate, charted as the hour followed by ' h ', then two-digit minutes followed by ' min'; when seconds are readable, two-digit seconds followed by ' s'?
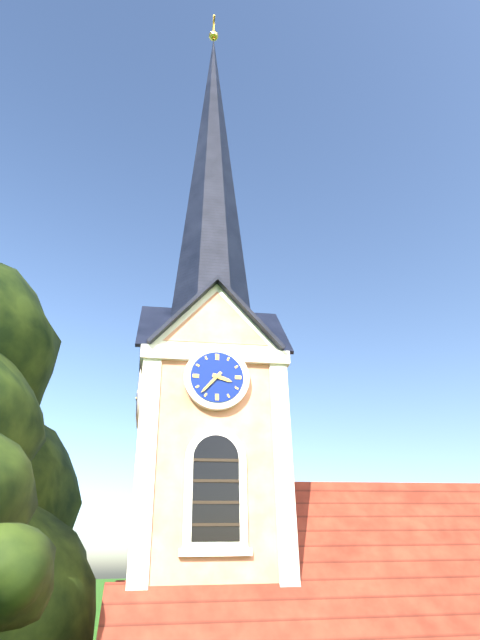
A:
3 h 37 min
